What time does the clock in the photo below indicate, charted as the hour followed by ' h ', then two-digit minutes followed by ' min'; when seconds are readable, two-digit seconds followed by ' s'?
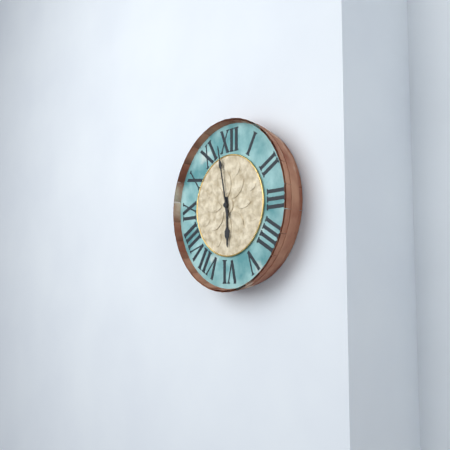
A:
5 h 58 min
